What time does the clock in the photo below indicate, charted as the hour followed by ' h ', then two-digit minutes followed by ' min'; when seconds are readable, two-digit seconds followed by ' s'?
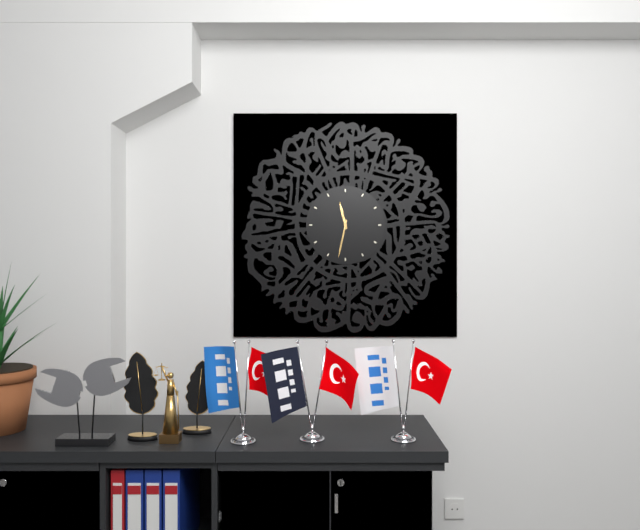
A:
11 h 32 min
